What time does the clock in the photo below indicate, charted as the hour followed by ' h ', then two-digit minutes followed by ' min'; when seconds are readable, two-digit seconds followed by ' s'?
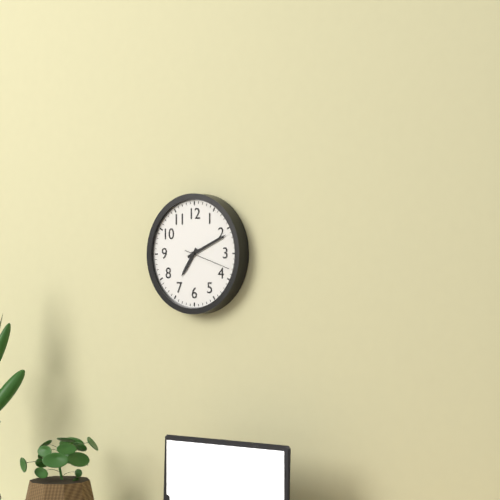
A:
7 h 11 min
